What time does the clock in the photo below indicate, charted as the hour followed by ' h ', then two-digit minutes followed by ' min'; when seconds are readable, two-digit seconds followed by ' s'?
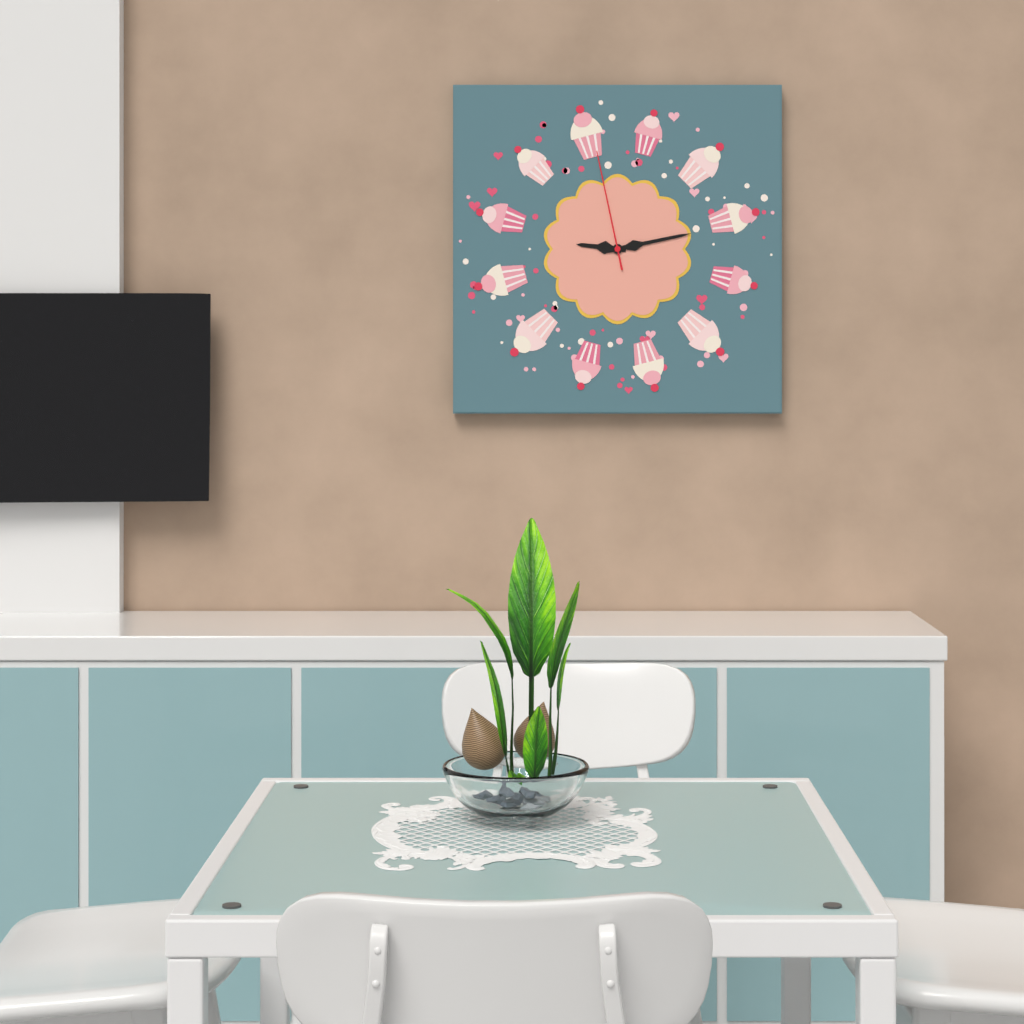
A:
9 h 13 min 58 s
